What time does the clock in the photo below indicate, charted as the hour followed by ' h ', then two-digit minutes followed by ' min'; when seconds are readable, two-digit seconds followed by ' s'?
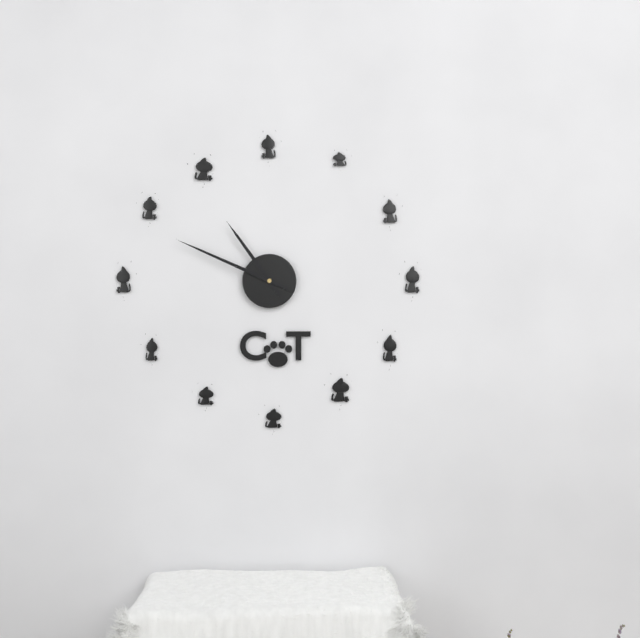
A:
10 h 49 min
